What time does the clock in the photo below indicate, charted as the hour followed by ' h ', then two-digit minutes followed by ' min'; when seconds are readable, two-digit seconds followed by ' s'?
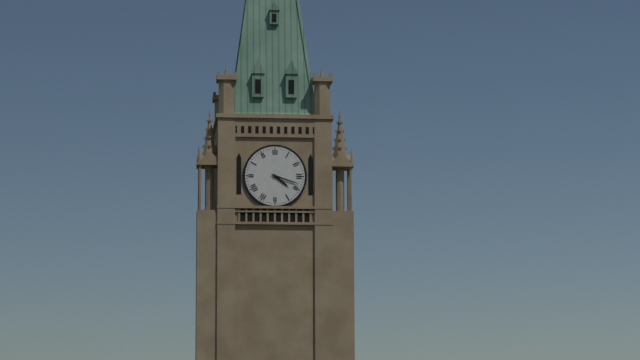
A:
4 h 18 min
